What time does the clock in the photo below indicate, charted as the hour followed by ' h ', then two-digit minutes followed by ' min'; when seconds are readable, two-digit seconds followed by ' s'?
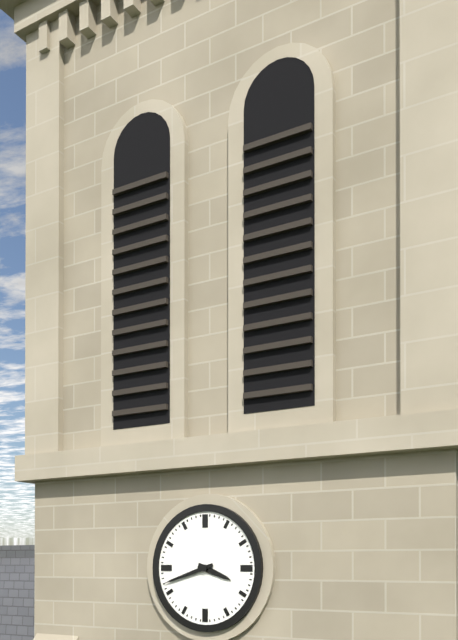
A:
3 h 42 min
